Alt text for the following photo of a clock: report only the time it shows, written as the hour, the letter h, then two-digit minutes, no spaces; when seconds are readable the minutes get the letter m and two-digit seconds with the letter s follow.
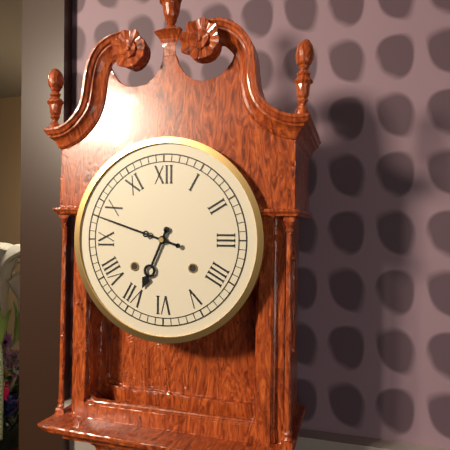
6h48
